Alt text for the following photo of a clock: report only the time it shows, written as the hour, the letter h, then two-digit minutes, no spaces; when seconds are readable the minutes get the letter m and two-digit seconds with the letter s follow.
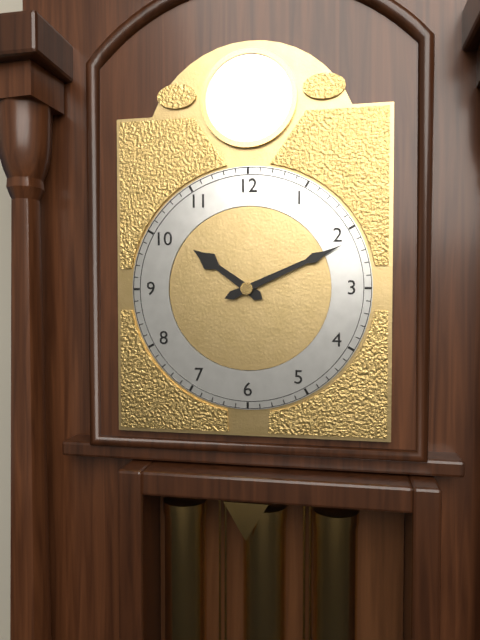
10h11
